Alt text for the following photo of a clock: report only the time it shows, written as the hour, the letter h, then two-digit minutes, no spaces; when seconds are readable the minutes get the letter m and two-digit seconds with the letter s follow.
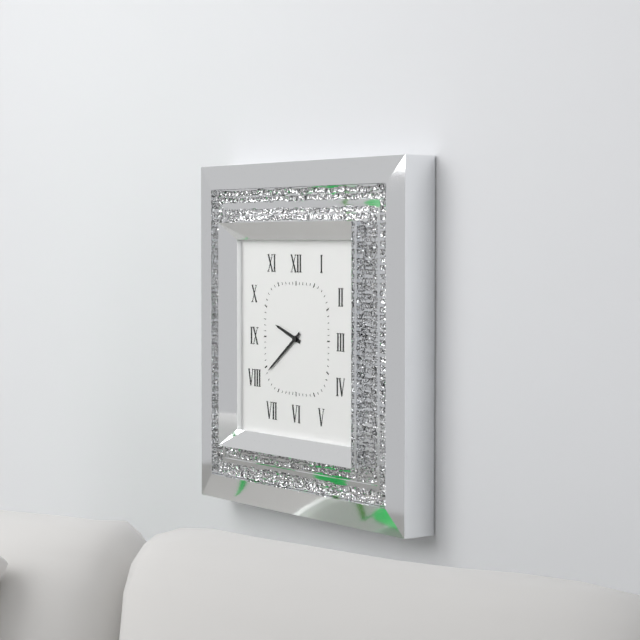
9h39
